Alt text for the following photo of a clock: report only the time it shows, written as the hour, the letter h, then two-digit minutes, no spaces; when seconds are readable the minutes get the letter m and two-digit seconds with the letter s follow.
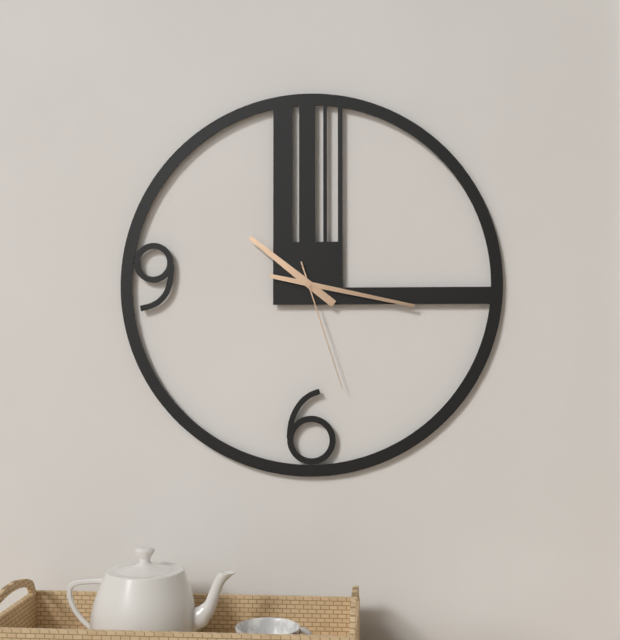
10h17m27s
